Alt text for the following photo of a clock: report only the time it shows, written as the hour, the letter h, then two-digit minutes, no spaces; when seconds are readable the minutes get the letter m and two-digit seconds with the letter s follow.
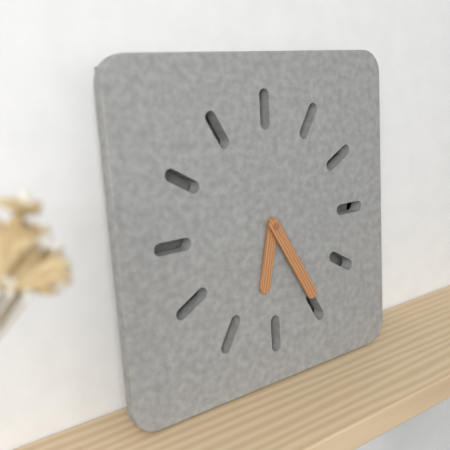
6h25
